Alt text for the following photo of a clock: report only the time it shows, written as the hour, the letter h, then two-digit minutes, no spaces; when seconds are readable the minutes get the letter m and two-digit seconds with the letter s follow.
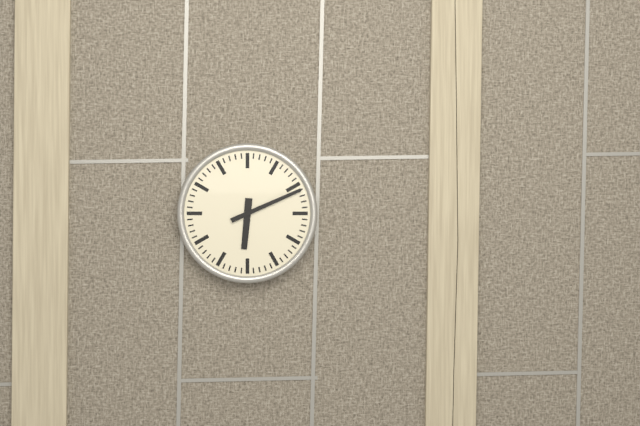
6h11
